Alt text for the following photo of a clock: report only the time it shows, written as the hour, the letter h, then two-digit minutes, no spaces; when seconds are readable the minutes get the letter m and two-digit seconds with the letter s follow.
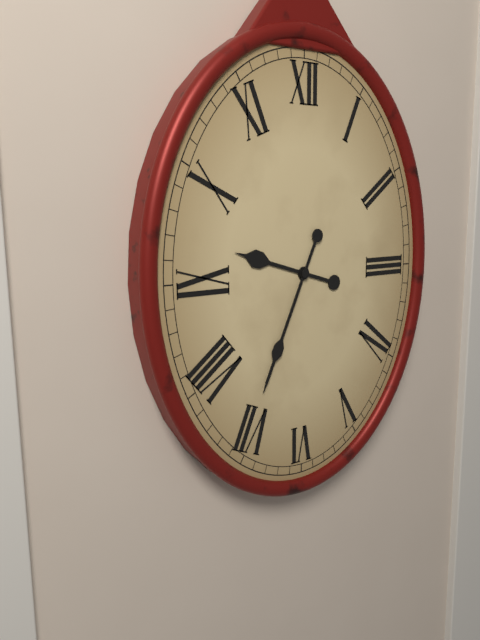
9h34
